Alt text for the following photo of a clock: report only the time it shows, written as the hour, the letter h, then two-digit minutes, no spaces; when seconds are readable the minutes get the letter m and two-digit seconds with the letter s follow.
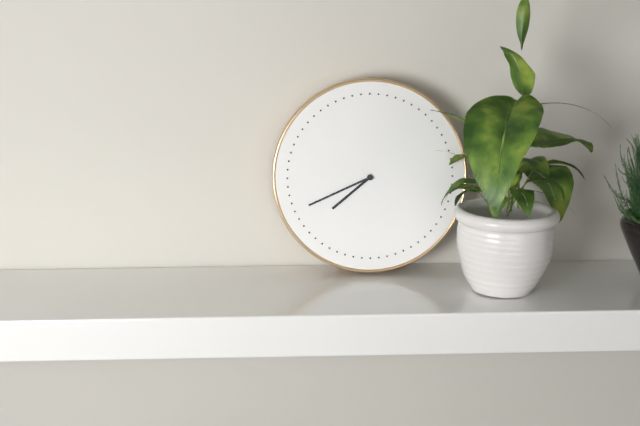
7h41
